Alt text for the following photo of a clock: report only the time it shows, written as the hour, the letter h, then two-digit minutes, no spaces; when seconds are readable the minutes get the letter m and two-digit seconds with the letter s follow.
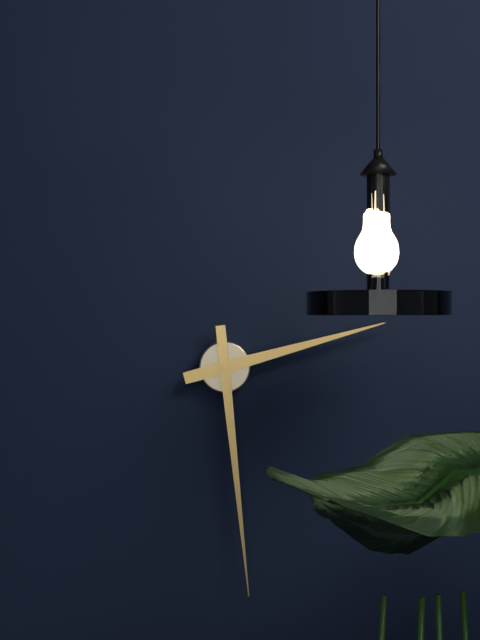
2h29
